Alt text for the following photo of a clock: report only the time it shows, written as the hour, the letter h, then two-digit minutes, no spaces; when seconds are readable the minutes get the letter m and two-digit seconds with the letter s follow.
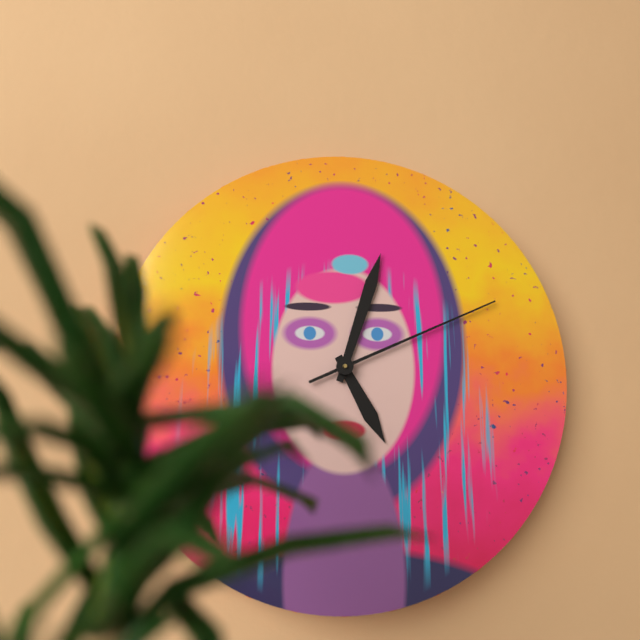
5h03m11s
